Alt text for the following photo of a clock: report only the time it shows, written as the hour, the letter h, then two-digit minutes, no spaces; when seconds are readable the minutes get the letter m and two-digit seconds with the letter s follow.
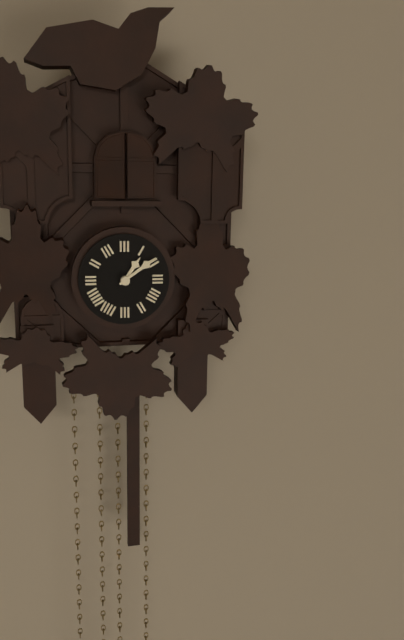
1h09
